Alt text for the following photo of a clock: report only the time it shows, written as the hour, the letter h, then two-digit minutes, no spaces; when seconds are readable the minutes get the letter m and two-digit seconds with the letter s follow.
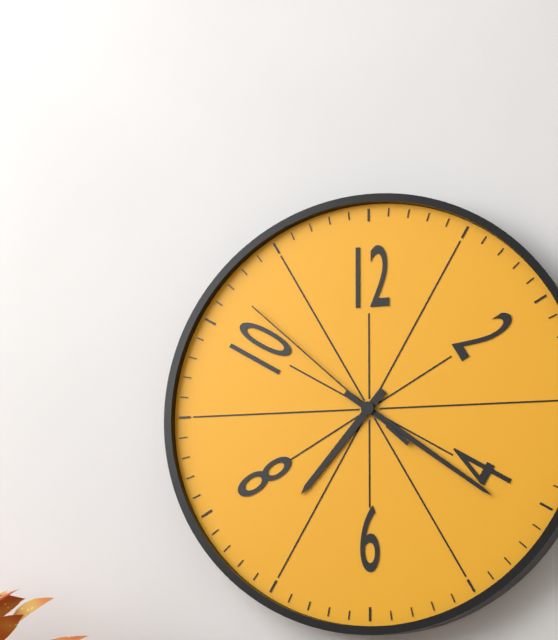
7h21m52s
